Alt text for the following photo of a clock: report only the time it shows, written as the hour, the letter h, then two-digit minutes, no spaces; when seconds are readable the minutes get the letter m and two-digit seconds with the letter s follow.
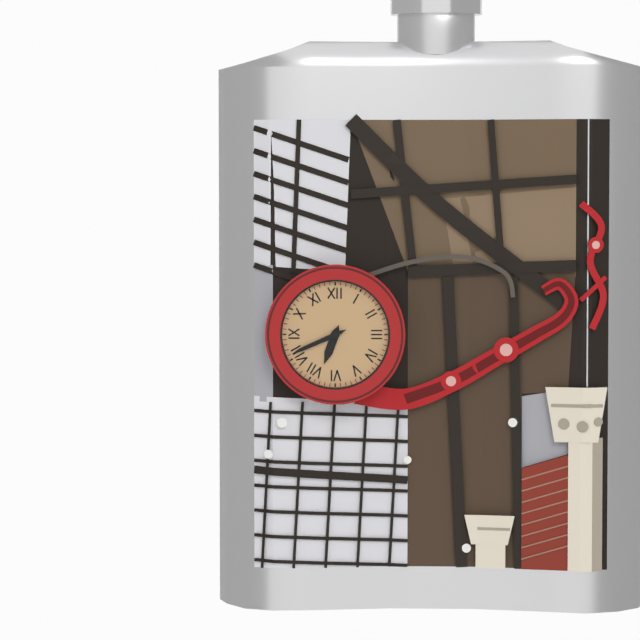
6h41
